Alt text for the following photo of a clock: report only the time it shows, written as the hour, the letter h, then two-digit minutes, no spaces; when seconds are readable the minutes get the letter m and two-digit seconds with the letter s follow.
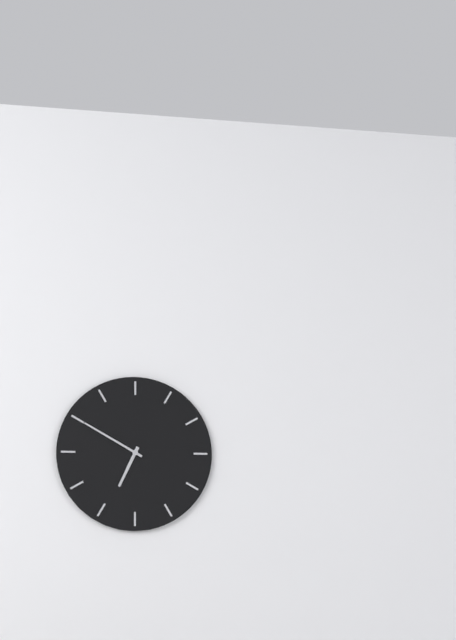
6h50
